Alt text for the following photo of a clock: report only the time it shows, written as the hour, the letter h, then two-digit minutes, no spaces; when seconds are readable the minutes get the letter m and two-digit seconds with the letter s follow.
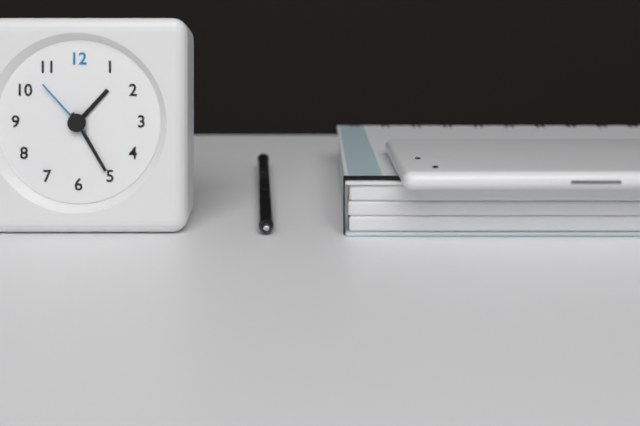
1h25m53s
